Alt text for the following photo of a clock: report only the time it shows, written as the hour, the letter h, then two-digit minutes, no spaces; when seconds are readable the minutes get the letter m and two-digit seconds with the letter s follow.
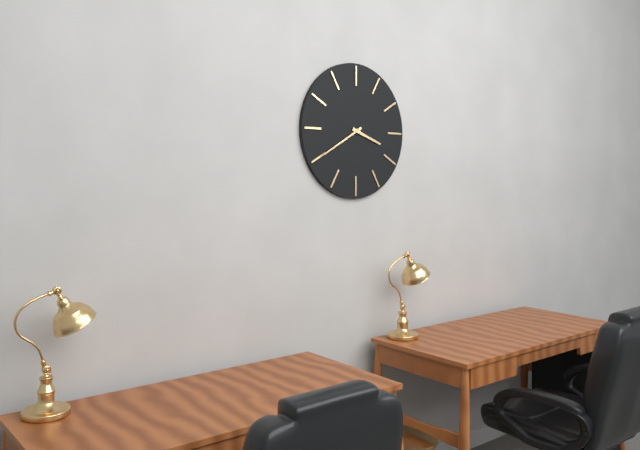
3h40
